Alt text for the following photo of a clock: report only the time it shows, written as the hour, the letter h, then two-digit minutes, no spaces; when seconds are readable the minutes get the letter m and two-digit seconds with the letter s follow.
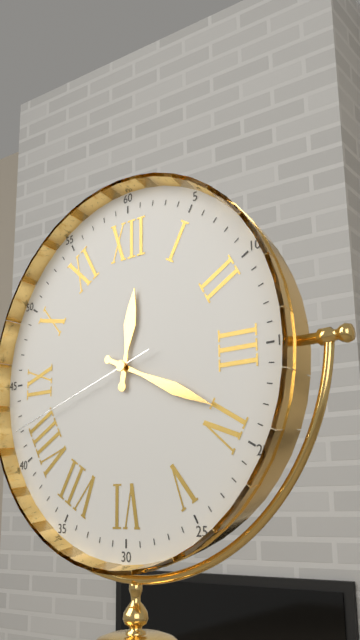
12h19m42s
